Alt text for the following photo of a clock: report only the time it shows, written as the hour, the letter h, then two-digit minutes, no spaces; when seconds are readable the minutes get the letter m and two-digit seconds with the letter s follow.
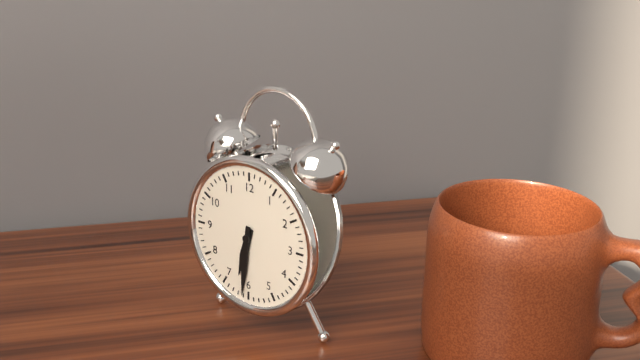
6h31
